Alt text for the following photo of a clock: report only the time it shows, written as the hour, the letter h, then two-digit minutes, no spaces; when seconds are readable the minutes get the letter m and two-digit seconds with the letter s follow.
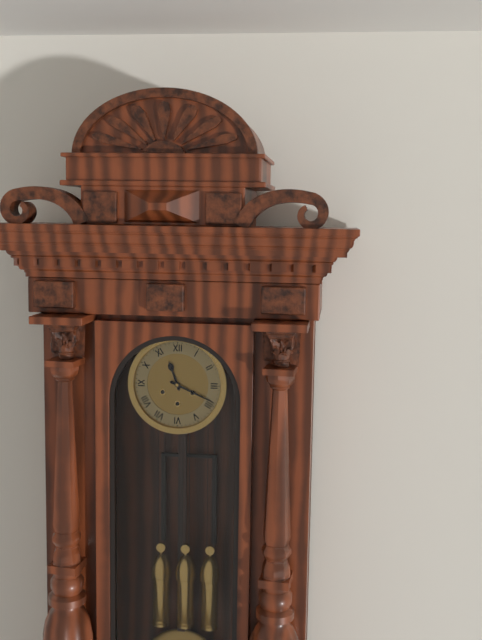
11h19
